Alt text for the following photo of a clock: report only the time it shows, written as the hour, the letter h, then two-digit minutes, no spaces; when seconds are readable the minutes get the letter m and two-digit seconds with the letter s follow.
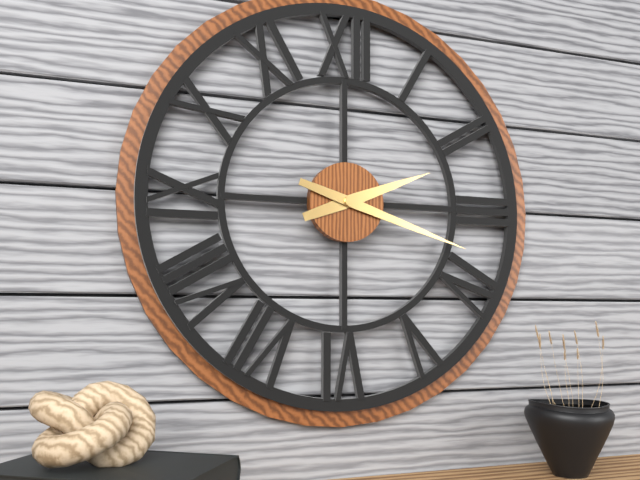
2h18
